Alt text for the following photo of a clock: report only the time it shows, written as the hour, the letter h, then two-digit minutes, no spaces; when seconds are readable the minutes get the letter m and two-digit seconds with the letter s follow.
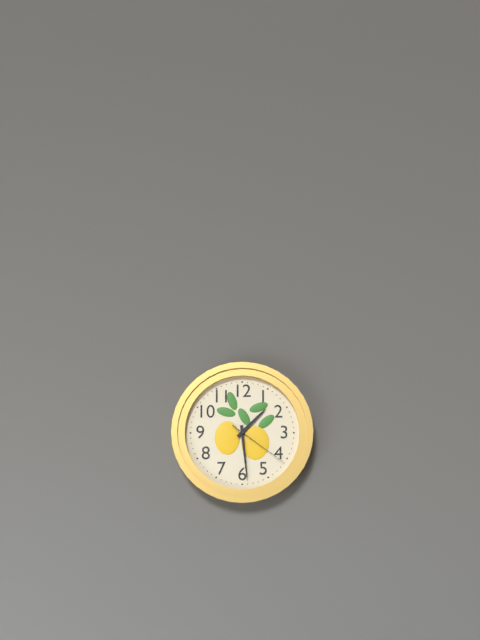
1h29m21s
